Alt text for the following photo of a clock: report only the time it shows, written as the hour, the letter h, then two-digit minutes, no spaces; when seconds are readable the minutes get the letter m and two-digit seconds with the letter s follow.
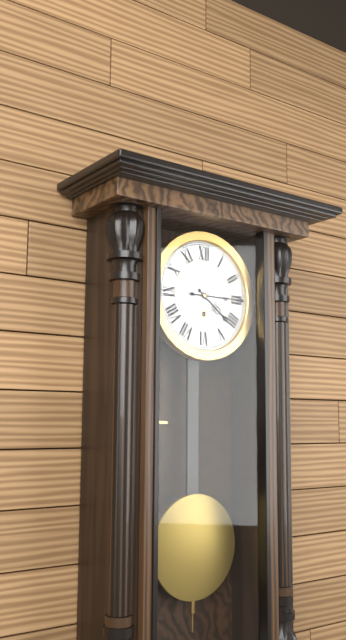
4h15
